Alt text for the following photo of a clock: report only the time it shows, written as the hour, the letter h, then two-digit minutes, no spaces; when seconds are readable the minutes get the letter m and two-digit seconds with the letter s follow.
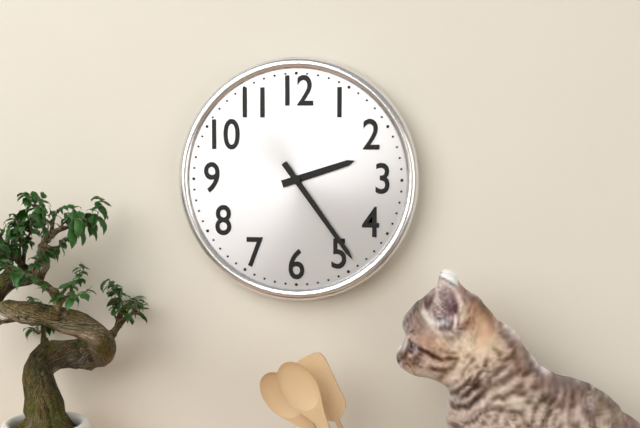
2h24
